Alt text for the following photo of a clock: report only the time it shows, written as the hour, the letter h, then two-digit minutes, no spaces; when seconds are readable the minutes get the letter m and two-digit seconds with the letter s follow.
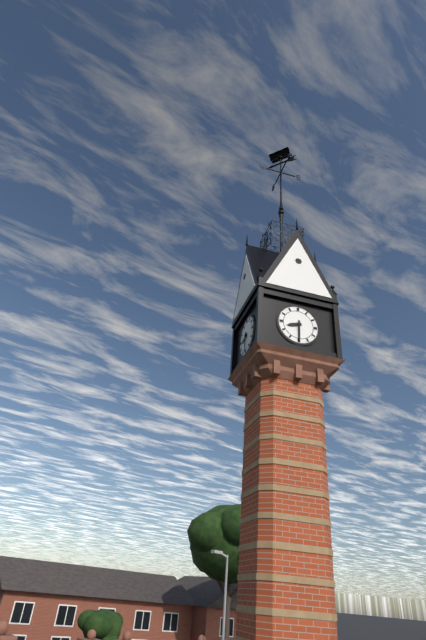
8h30
